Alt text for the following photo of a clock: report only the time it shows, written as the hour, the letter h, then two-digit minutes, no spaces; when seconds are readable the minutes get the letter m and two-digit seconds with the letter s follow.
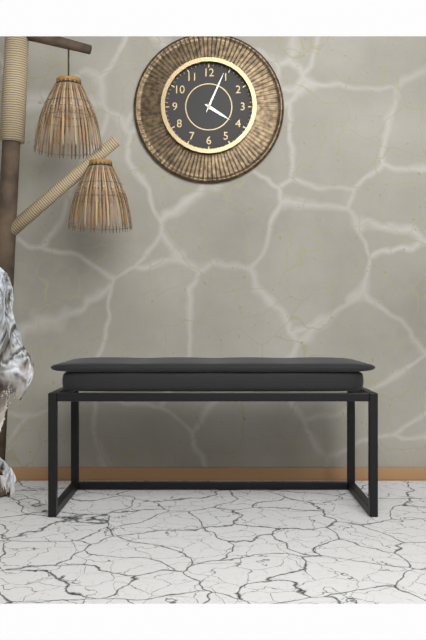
4h04
